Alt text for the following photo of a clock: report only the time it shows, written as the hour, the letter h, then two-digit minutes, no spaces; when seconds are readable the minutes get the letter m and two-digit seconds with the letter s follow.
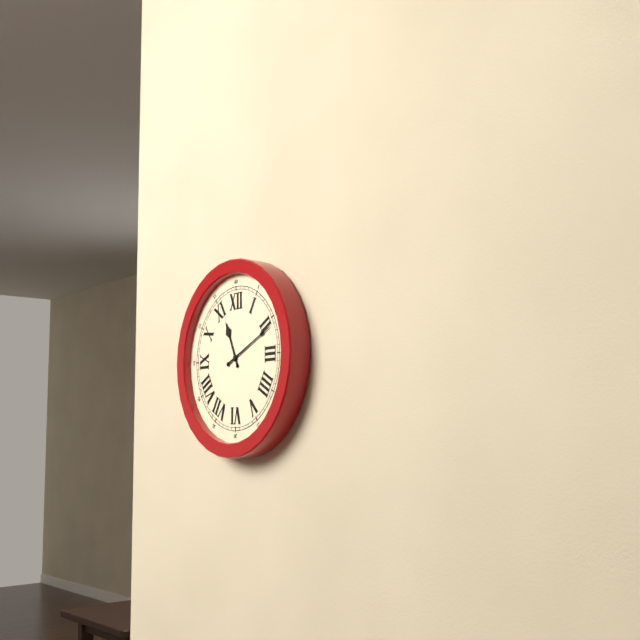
11h11
